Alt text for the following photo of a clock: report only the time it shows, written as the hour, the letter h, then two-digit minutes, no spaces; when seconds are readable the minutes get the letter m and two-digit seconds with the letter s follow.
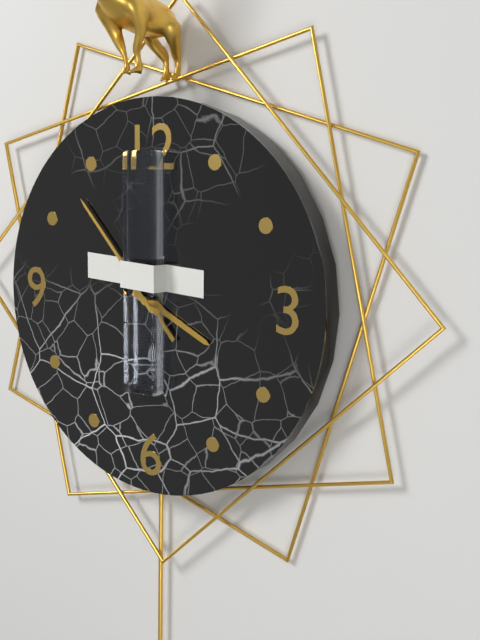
3h53
